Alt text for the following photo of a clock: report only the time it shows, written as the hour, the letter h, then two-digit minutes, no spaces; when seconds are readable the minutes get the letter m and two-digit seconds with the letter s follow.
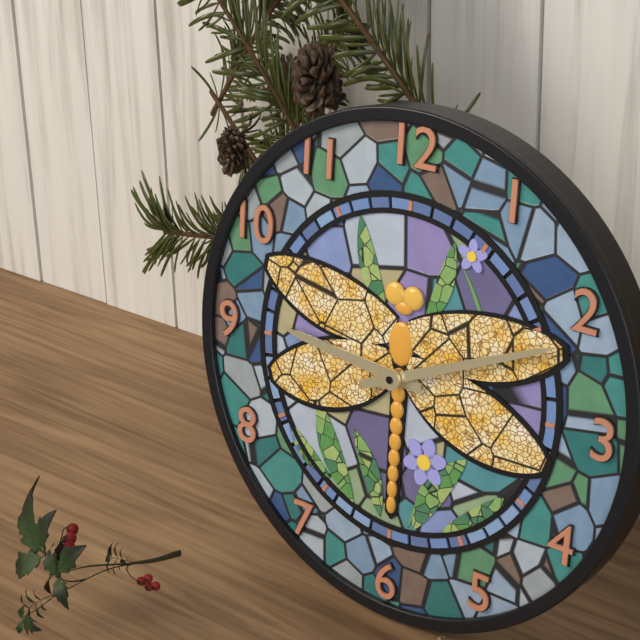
9h11
